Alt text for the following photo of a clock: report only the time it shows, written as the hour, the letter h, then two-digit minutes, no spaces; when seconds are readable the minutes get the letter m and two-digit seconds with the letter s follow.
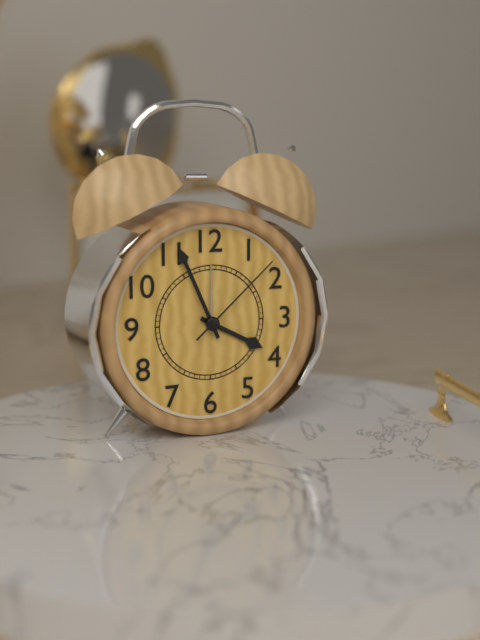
3h56m08s
